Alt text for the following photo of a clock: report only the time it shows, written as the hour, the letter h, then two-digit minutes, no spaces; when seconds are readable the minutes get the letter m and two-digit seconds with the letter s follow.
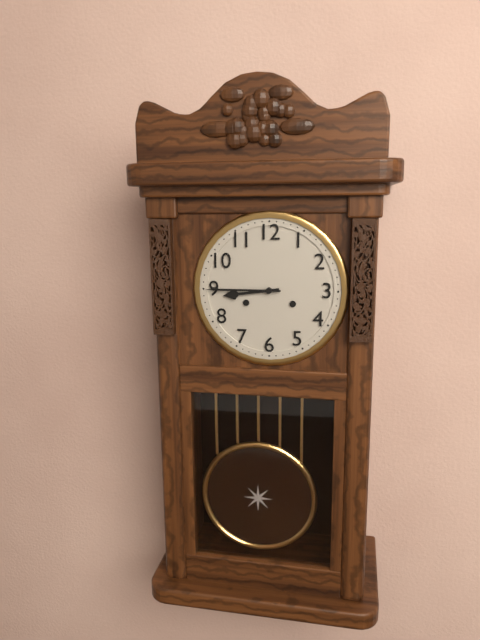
8h45
